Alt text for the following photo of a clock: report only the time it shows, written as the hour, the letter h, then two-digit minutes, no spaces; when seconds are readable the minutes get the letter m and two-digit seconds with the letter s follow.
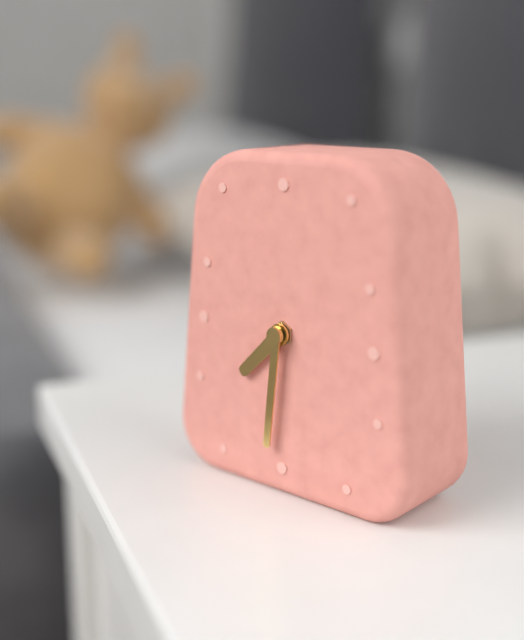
7h31
